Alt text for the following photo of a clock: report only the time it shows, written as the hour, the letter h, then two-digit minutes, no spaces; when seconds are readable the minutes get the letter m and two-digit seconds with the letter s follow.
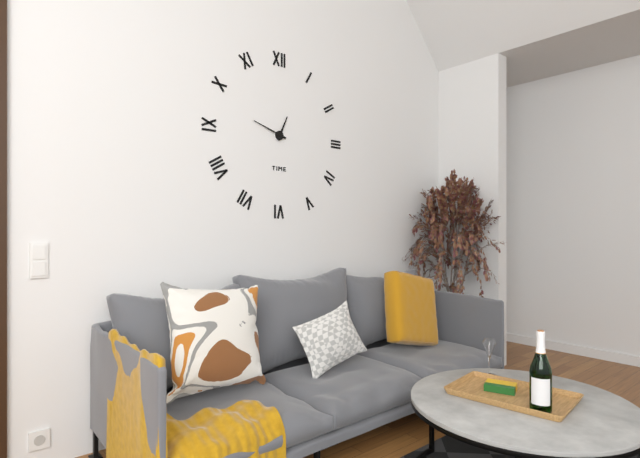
12h48
